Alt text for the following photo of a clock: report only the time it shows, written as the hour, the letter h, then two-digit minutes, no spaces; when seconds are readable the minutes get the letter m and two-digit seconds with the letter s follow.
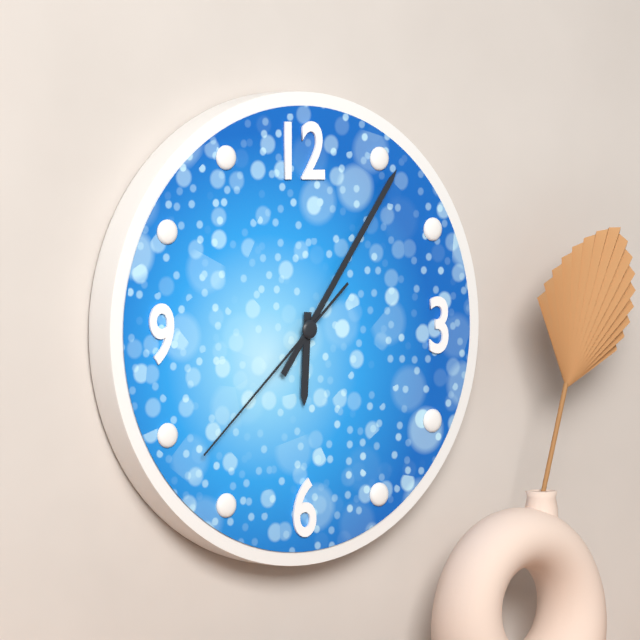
6h06m38s
